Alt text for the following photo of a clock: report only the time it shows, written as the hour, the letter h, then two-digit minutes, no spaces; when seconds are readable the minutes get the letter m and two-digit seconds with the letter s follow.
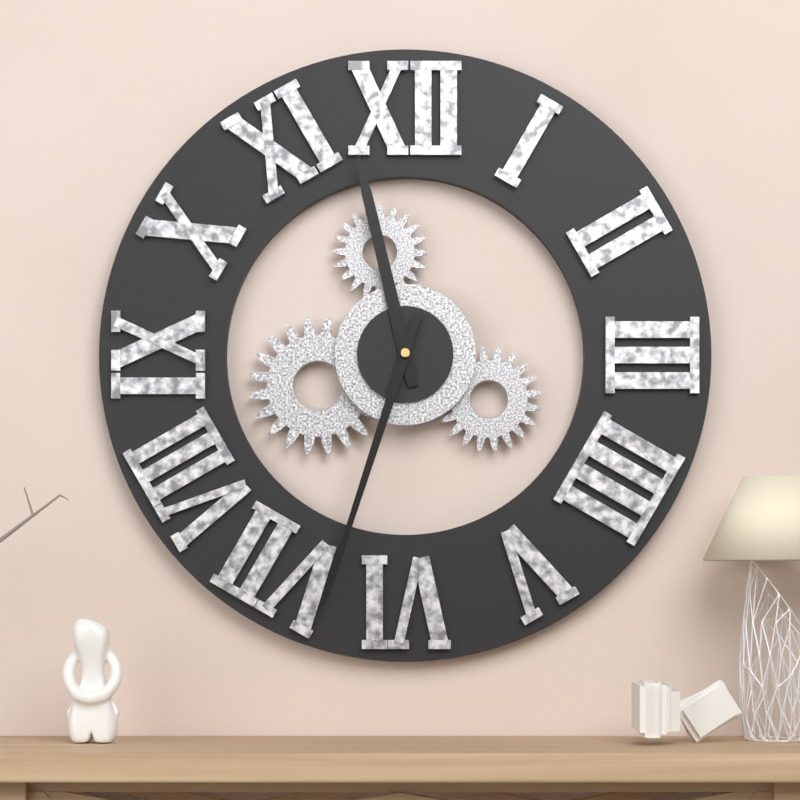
11h33
